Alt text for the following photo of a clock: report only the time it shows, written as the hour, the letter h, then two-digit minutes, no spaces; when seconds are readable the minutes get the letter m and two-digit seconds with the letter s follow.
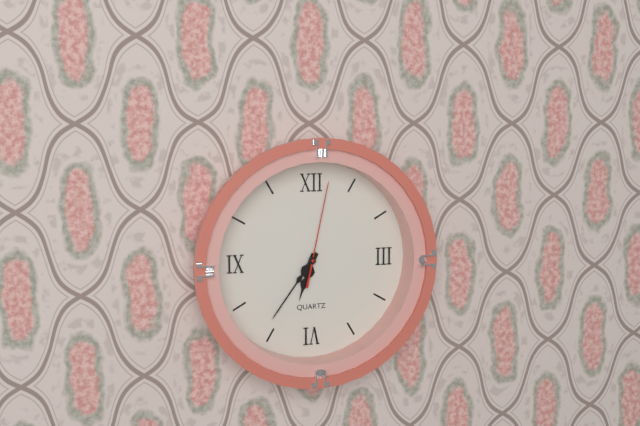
6h36m02s
